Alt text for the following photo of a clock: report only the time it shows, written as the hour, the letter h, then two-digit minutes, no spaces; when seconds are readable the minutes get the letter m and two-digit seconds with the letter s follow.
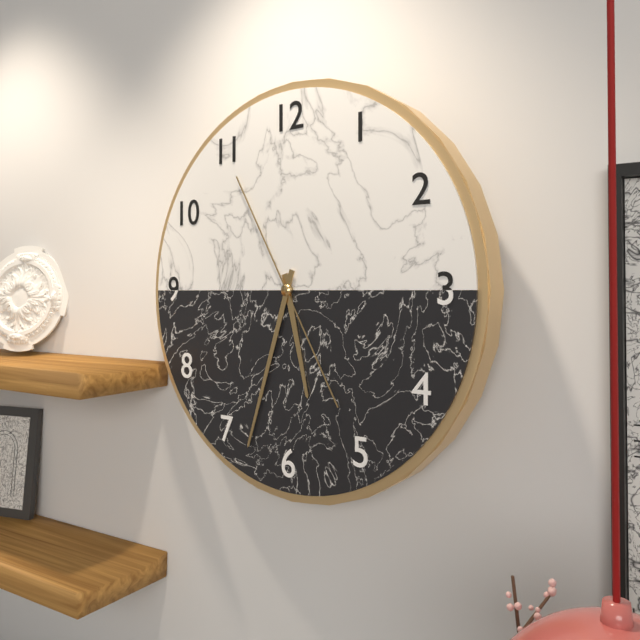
5h33m55s
